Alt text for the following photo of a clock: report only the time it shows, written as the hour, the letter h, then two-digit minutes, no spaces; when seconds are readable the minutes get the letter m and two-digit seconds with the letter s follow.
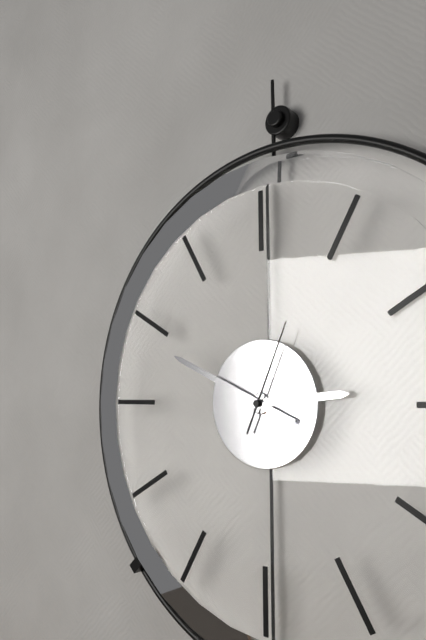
2h49m04s
